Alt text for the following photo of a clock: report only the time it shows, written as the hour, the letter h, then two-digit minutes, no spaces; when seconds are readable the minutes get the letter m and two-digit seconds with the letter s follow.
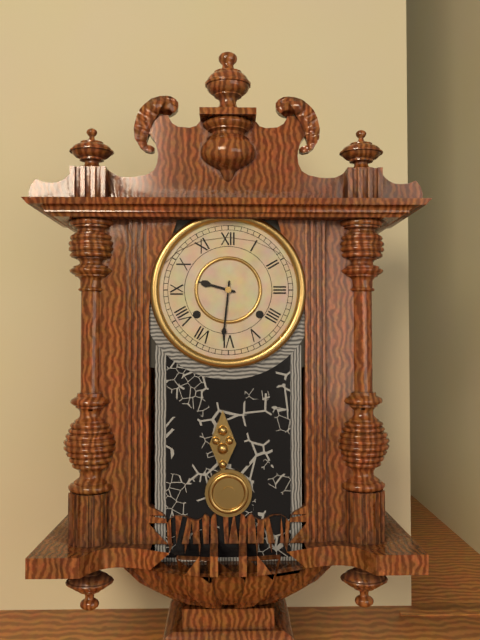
9h31
